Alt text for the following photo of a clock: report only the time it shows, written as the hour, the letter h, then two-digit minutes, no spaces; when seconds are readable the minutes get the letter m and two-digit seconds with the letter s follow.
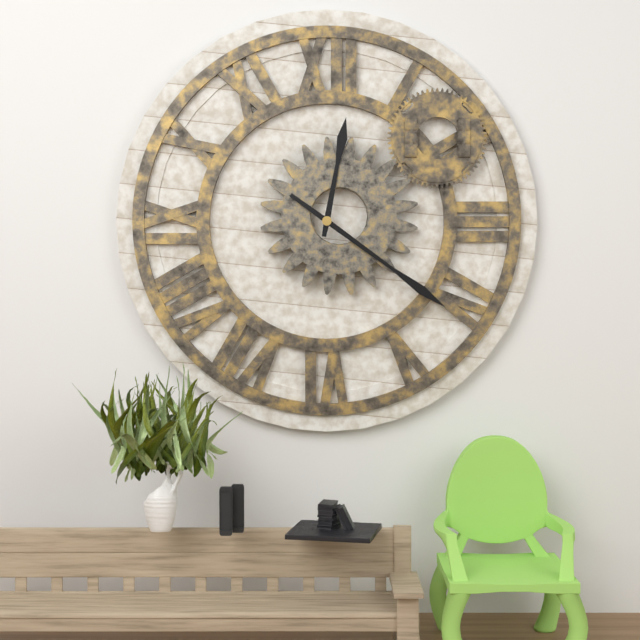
12h21
